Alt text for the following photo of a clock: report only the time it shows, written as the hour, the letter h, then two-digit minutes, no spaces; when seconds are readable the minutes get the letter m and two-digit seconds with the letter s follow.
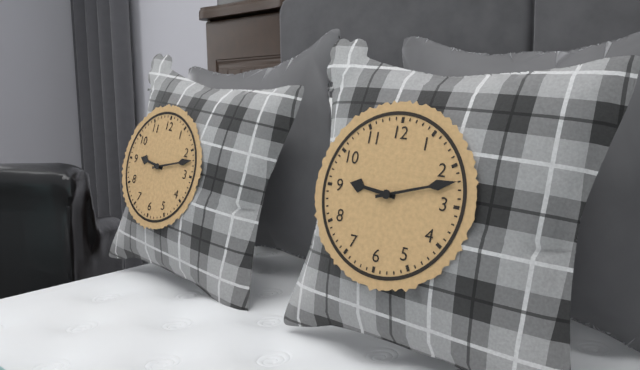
9h12
